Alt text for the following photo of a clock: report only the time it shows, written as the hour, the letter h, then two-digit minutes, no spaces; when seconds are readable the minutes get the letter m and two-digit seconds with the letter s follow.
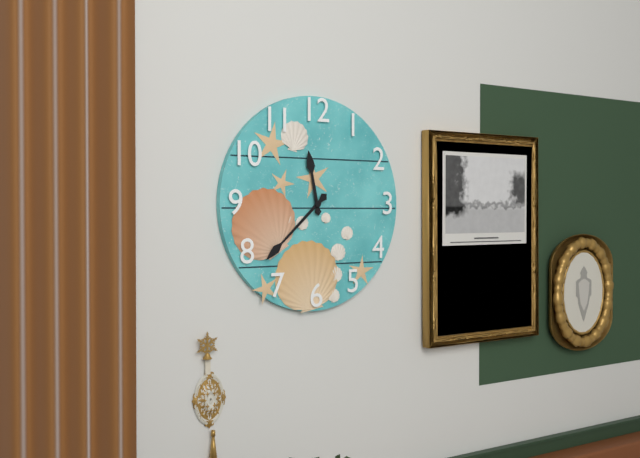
11h38
